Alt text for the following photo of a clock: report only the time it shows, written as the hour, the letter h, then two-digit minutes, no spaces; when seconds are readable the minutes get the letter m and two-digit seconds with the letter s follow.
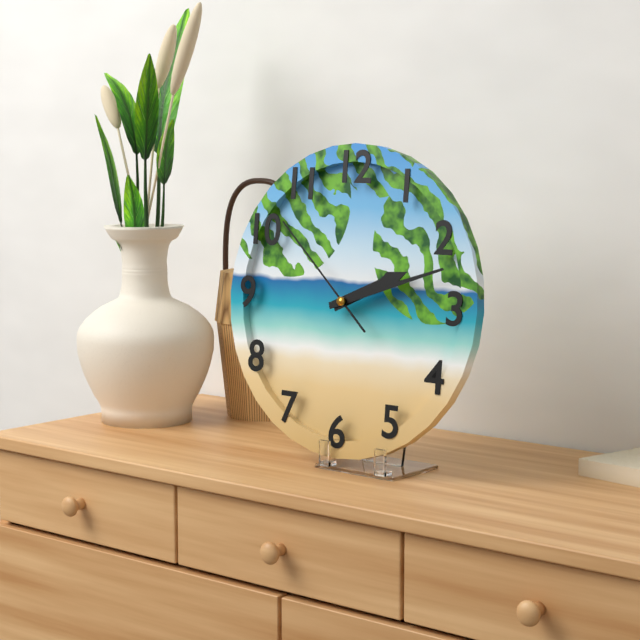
2h12m52s
